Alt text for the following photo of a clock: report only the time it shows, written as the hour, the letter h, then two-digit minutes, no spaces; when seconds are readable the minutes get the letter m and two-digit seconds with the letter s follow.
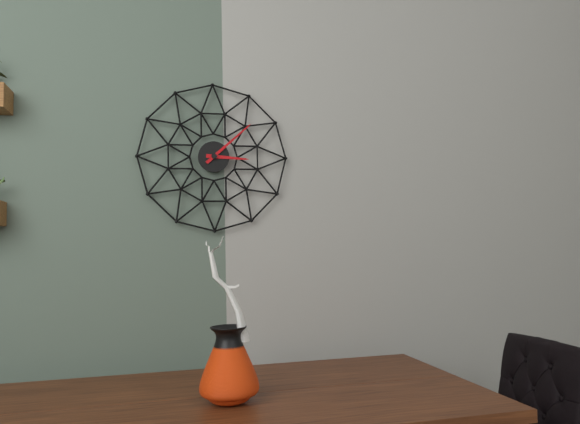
3h08
